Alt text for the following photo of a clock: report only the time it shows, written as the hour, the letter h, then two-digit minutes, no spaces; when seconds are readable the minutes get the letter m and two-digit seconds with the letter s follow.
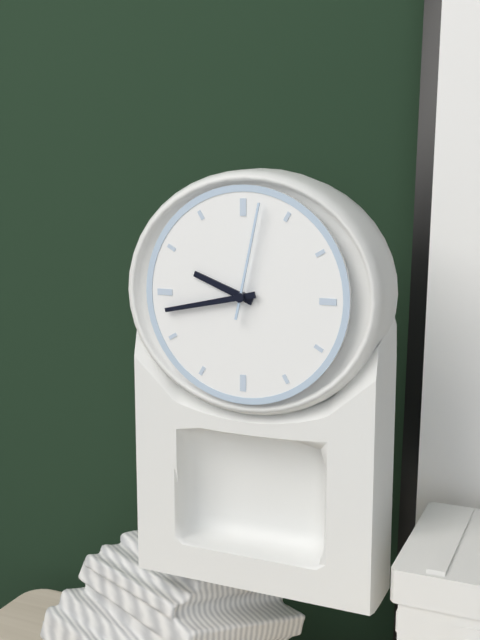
9h43m02s
